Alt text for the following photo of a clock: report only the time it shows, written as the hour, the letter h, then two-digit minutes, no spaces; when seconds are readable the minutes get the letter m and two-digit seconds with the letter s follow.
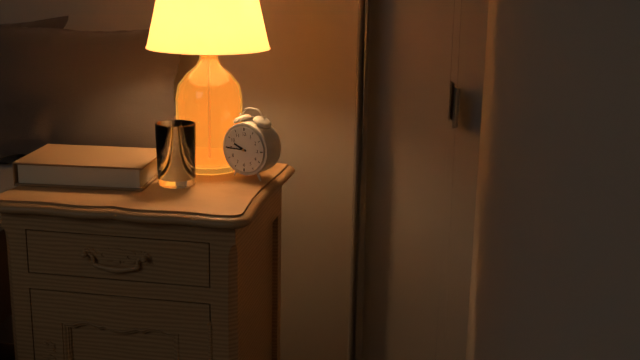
9h45
